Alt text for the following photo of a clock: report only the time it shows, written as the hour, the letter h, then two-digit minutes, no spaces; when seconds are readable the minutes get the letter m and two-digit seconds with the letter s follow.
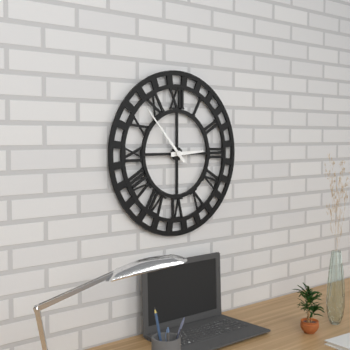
2h53
